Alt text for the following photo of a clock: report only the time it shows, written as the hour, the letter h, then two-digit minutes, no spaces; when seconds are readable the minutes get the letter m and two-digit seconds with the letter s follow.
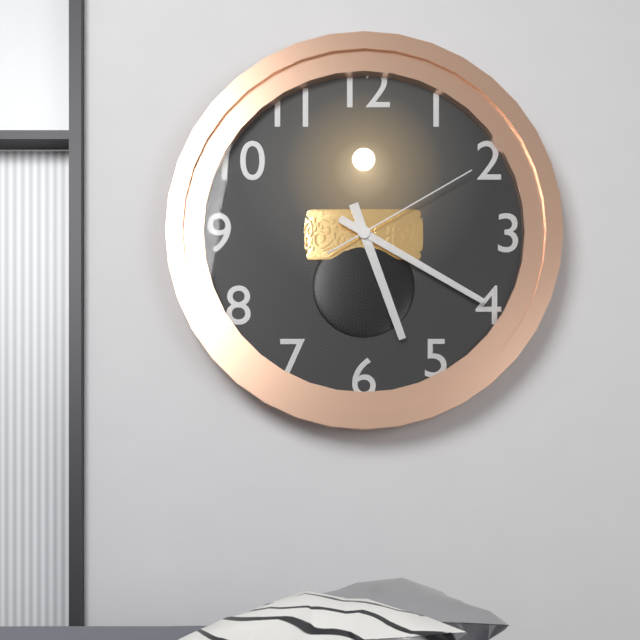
5h20m10s
